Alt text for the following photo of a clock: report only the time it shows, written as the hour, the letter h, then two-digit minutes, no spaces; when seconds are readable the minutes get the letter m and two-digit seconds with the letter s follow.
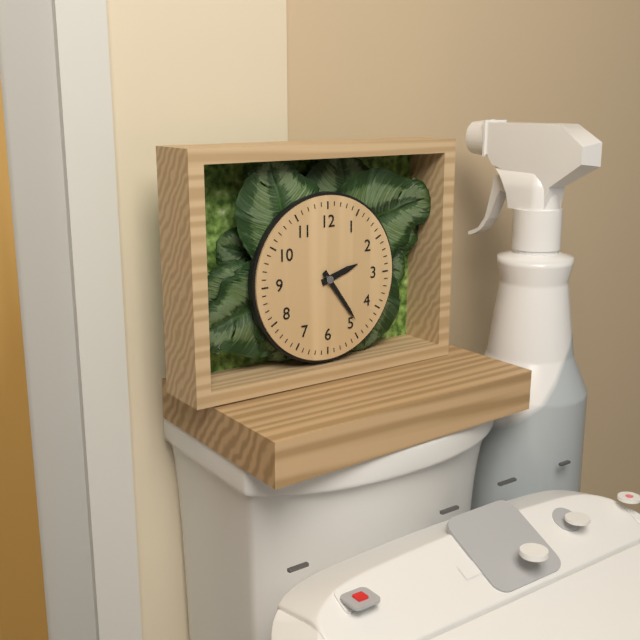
2h24
